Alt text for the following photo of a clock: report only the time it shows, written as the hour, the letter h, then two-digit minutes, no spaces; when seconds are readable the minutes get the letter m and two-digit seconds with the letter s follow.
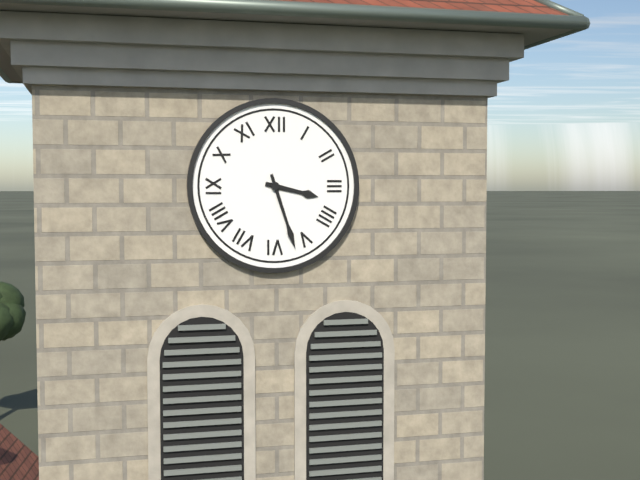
3h27
